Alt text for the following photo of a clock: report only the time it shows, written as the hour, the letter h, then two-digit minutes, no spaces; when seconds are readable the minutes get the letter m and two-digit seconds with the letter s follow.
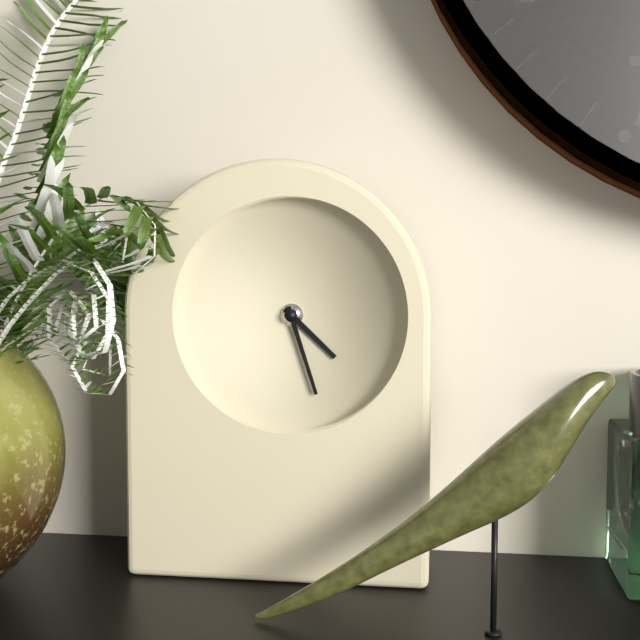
4h27
